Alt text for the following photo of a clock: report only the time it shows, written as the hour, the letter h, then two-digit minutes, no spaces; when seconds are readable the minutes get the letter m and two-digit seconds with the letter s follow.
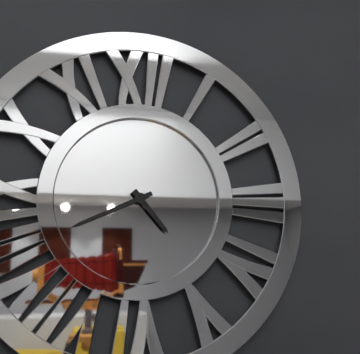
4h41
